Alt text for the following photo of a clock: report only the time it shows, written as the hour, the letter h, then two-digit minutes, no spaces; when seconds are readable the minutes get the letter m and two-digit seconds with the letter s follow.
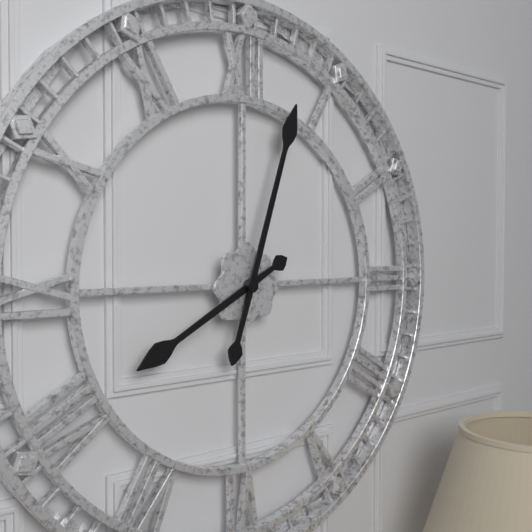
8h03
